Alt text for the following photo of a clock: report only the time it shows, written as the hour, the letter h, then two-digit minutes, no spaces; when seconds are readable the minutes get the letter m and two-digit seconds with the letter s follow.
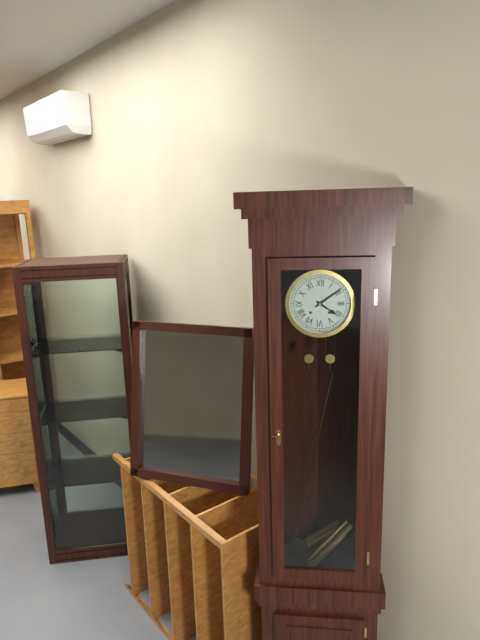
4h09
